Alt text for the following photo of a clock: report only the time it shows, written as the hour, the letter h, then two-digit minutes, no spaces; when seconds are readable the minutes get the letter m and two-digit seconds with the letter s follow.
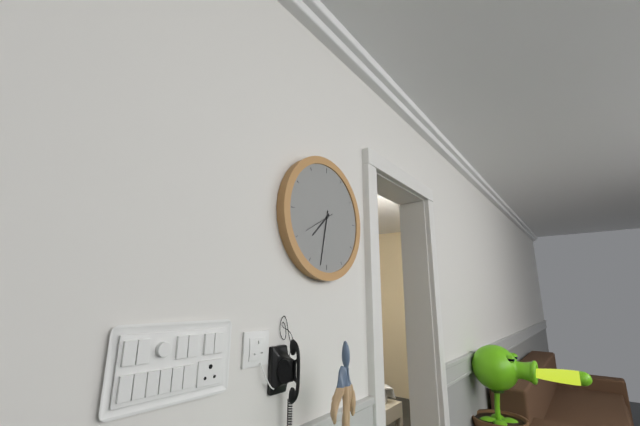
7h32
